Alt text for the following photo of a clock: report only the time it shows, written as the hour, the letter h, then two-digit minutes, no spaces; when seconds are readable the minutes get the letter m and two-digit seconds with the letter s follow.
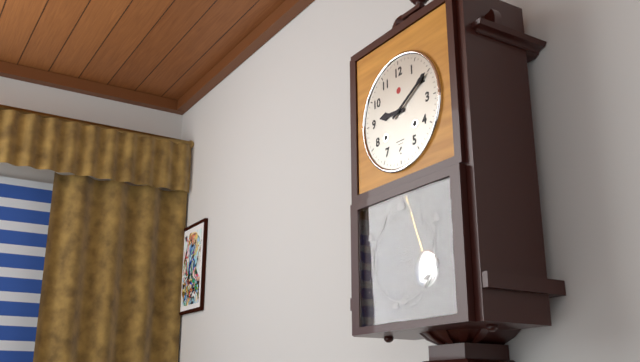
9h10
